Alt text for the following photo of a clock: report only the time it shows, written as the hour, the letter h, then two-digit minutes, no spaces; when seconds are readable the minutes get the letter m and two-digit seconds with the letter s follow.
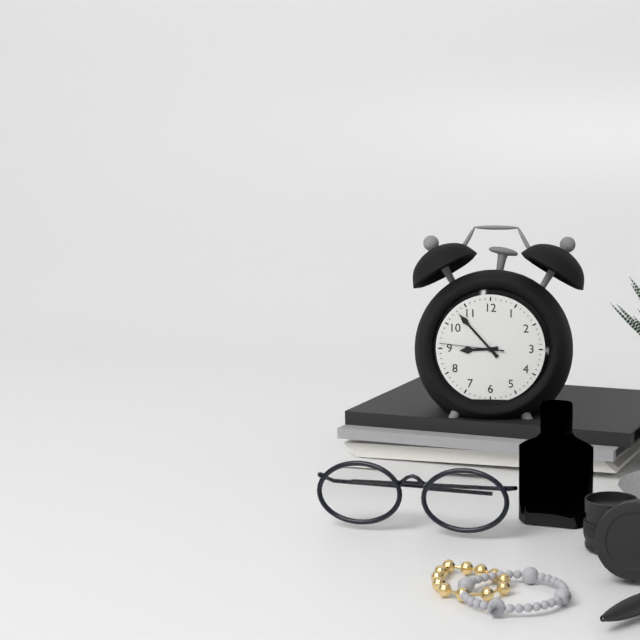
8h53m46s
